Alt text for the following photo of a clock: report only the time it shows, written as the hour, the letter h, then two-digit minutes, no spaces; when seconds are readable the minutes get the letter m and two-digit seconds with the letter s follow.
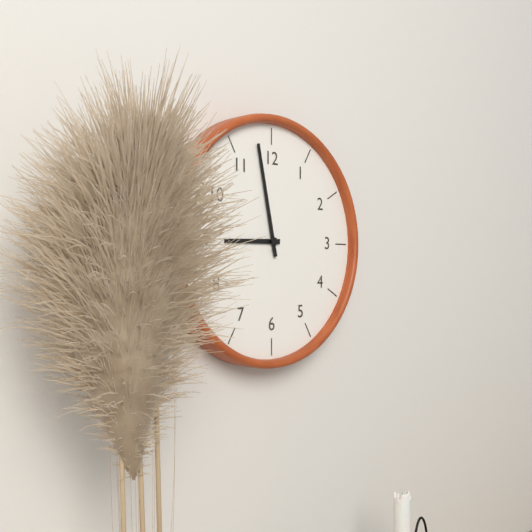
8h58
